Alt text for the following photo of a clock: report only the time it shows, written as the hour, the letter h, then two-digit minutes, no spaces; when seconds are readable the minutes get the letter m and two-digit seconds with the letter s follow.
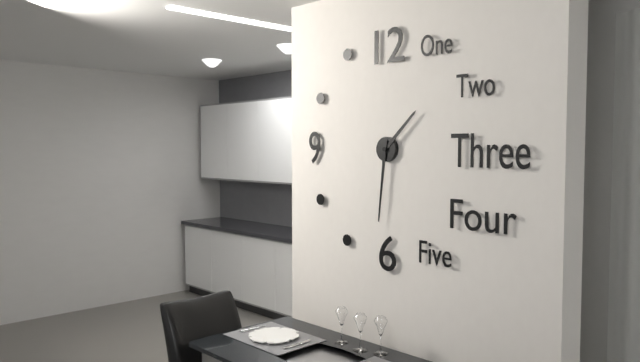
1h31
